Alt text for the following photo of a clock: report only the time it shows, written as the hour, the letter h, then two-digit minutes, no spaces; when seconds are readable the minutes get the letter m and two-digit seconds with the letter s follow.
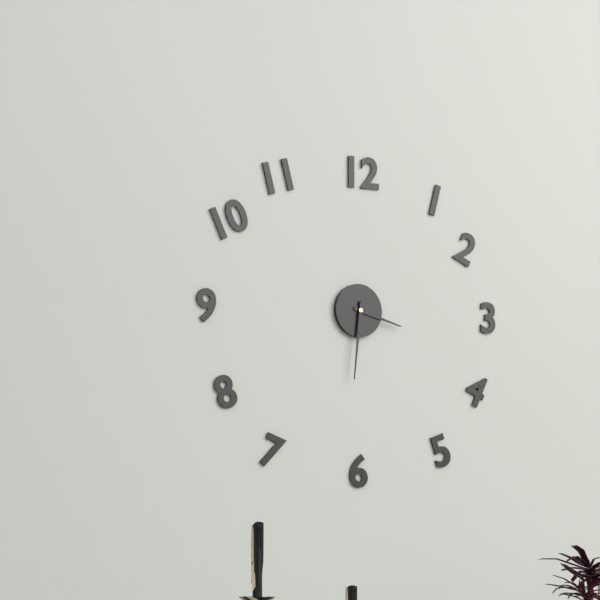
3h31
